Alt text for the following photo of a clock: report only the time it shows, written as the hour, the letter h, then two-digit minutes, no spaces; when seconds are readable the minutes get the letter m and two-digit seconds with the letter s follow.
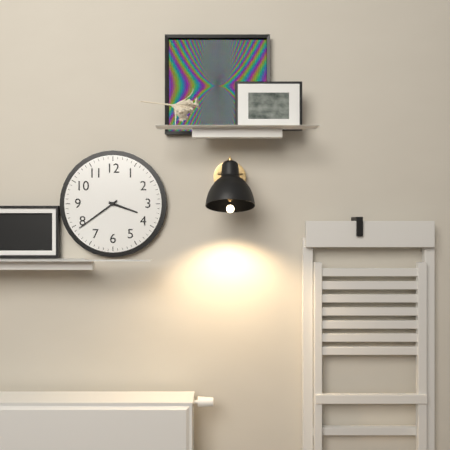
3h39
